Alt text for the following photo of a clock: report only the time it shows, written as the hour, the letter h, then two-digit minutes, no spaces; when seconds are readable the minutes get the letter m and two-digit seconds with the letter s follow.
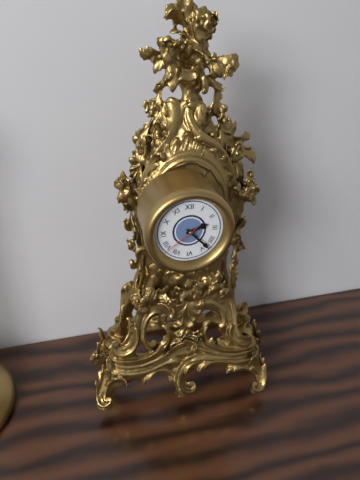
2h23
